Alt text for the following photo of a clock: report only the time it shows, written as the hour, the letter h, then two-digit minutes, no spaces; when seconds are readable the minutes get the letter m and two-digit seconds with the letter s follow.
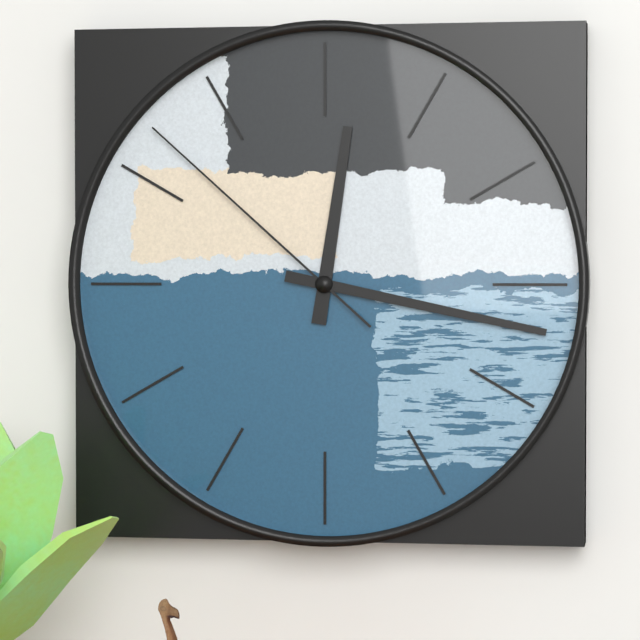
12h17m52s
